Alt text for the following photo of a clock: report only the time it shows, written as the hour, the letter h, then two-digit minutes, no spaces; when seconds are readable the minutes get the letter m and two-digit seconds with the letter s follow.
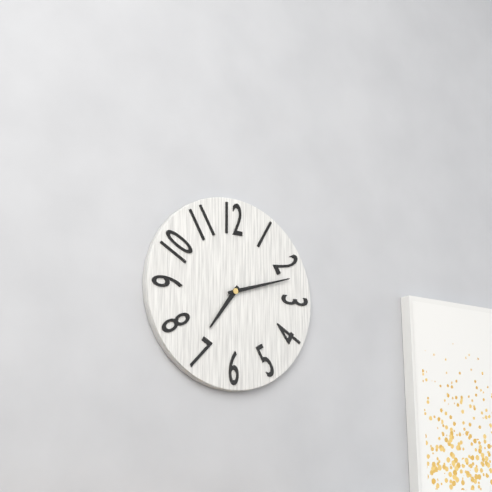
7h12
